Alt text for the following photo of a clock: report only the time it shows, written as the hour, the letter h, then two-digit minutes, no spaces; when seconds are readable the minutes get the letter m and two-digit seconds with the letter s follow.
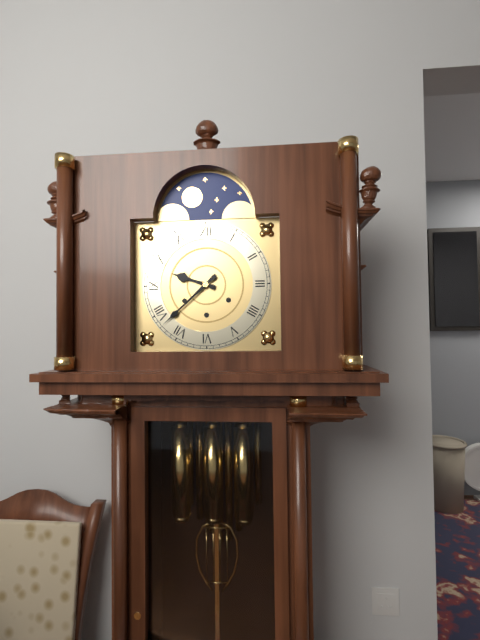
9h38
